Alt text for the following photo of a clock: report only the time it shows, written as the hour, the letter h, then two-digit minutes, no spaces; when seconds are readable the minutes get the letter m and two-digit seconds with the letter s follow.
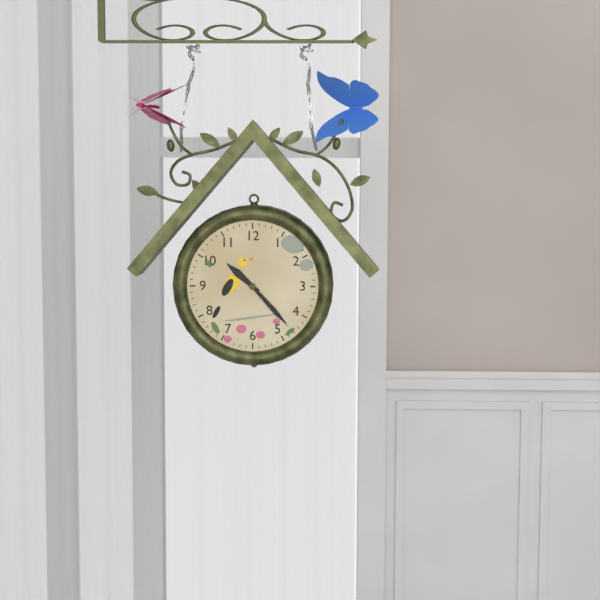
10h23
